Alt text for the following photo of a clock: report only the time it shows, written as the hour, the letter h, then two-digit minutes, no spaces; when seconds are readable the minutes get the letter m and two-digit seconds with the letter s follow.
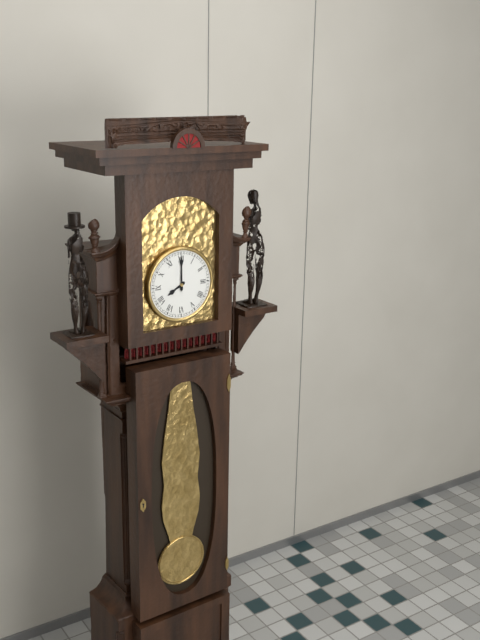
8h00
